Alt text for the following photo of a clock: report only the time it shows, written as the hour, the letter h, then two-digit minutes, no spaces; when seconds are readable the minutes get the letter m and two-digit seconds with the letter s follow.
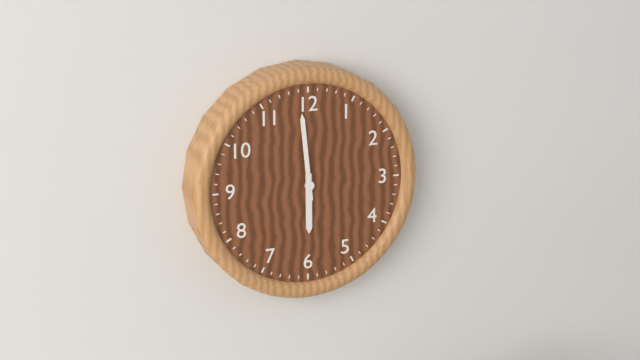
5h59
